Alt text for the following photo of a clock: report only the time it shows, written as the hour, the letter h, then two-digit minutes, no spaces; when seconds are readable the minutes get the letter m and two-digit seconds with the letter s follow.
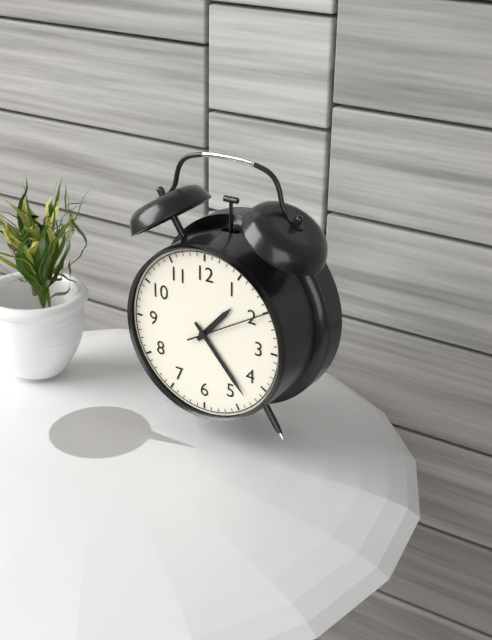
1h23m10s
